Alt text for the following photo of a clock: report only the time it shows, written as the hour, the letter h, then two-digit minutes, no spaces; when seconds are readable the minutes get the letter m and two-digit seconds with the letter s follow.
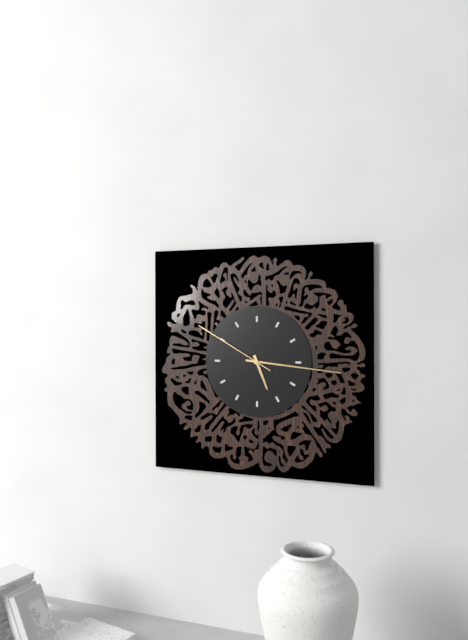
5h16m50s
